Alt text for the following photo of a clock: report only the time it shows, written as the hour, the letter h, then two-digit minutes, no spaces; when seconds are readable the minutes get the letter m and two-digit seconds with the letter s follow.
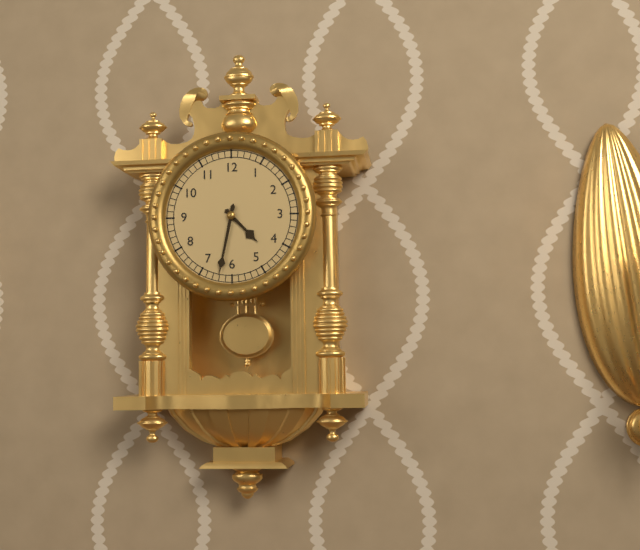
4h32
